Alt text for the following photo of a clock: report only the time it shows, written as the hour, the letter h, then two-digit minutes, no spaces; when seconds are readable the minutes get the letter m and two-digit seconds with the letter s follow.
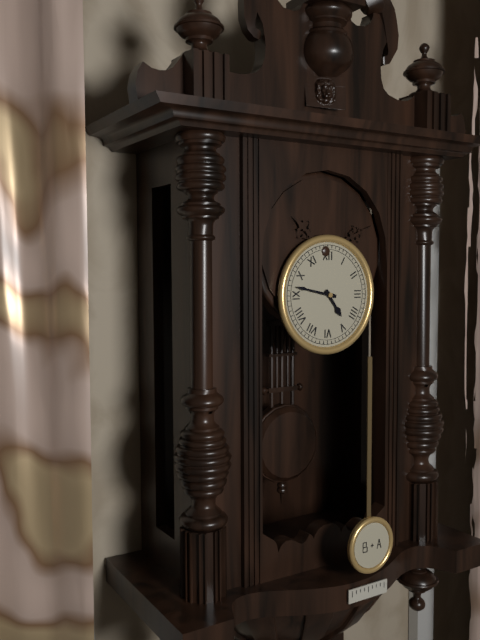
4h47
